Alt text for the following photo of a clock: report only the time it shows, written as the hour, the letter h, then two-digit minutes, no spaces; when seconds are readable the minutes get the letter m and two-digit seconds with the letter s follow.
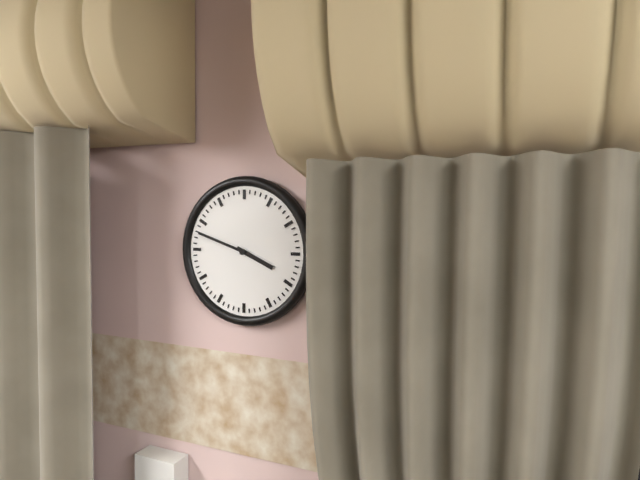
3h48
